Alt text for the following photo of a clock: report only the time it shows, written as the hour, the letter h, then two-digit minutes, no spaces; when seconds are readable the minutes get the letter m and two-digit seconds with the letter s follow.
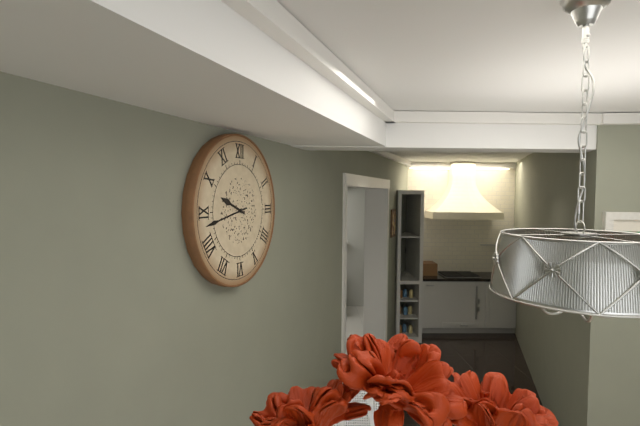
9h43
